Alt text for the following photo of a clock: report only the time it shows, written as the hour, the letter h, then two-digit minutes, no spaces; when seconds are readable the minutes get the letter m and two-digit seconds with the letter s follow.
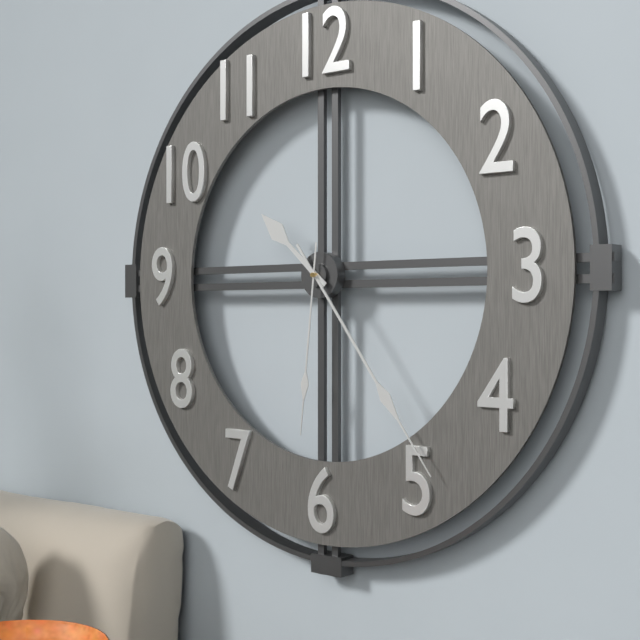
10h24m31s
